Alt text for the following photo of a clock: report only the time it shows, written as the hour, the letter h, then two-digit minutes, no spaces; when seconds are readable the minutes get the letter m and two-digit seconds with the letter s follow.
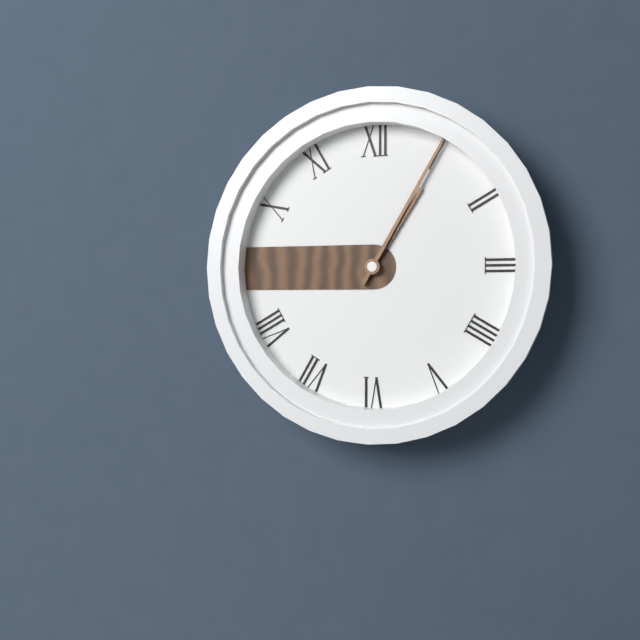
1h05
